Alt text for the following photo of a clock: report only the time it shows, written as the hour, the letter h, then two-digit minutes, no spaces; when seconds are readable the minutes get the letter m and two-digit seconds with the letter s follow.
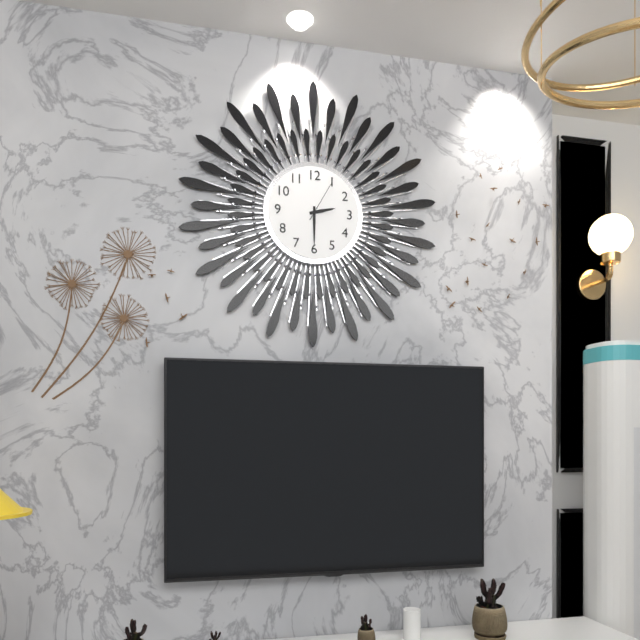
2h30m05s
